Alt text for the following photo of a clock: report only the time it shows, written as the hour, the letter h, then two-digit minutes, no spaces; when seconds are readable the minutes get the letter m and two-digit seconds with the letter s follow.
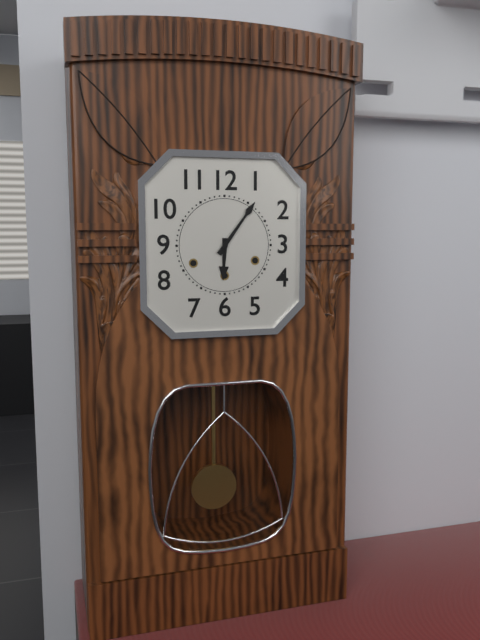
6h06
